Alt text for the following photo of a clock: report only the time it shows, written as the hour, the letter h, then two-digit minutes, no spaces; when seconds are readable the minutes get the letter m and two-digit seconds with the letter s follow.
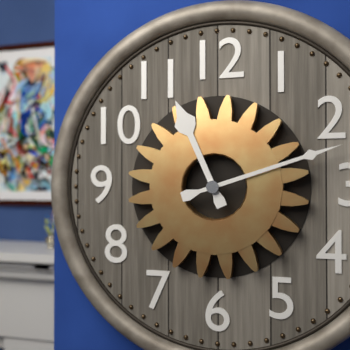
11h12
